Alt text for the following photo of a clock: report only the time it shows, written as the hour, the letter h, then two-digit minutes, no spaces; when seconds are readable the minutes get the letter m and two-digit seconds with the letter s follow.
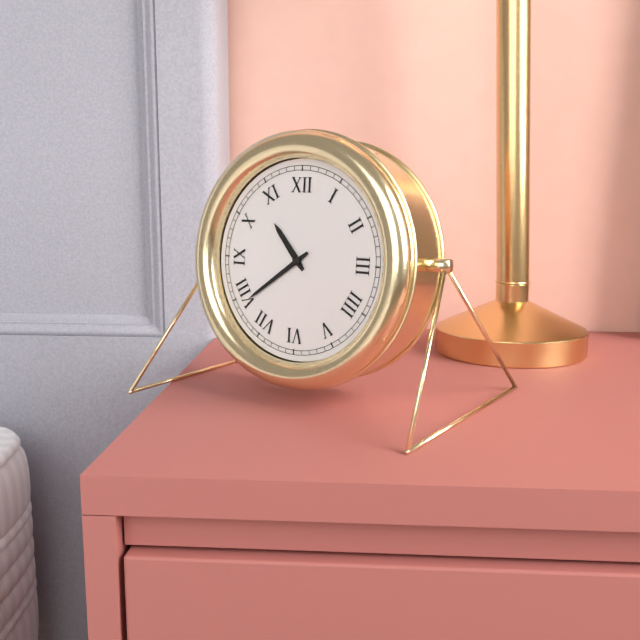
10h39
